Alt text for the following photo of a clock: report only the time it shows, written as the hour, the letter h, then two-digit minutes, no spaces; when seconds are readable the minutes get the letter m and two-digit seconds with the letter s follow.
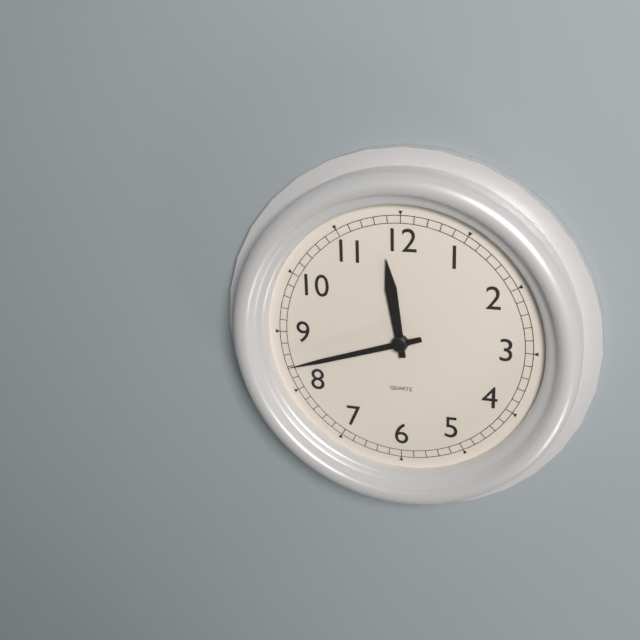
11h42
